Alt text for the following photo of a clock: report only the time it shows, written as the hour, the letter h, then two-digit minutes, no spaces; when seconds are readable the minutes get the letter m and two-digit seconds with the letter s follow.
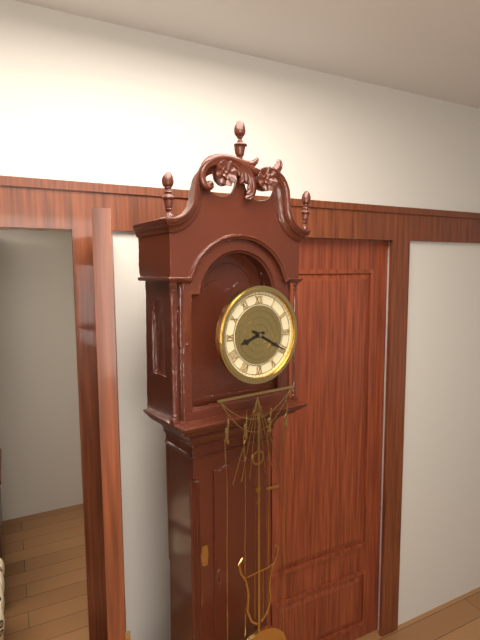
8h20
